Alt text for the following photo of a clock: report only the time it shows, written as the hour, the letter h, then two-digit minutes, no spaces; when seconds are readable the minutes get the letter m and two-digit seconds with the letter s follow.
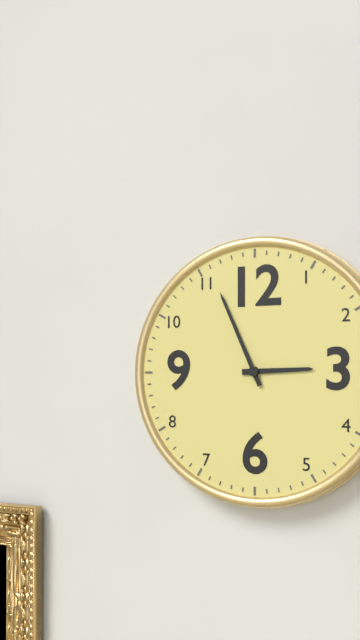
2h56
